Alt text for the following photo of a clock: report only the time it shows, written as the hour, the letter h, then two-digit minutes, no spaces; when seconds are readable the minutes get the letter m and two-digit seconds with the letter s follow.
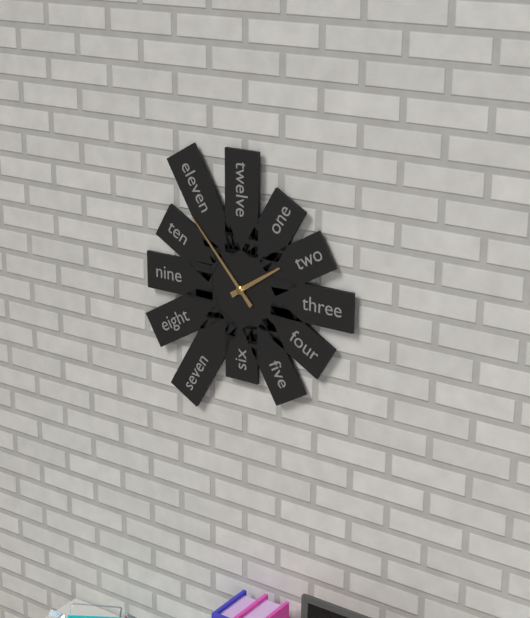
1h53
